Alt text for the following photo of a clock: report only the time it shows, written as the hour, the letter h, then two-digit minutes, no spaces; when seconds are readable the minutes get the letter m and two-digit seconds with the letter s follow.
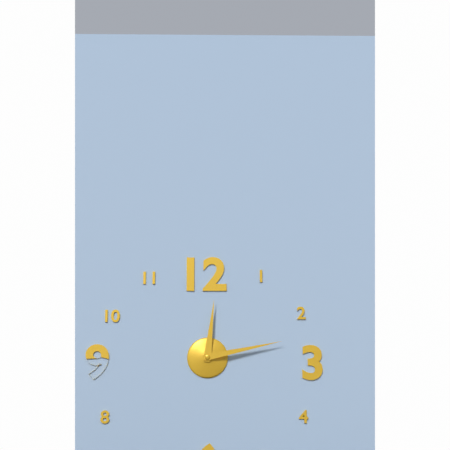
12h13
